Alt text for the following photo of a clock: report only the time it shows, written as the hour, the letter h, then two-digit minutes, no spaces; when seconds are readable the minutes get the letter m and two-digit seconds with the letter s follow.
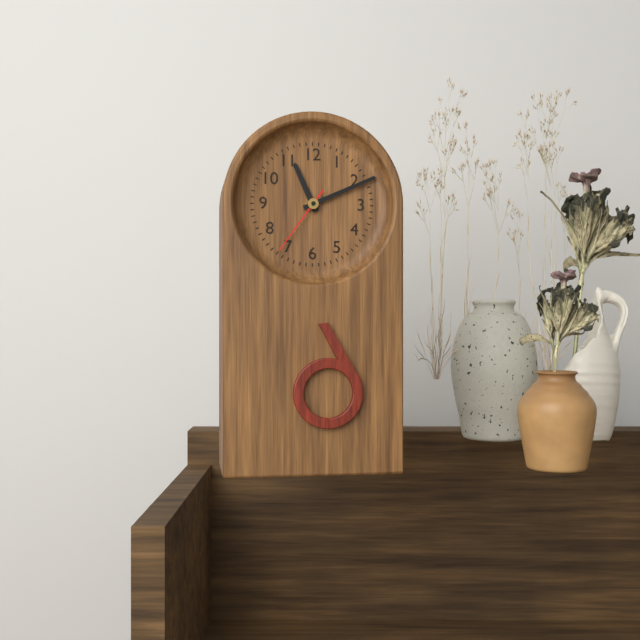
11h11m36s
